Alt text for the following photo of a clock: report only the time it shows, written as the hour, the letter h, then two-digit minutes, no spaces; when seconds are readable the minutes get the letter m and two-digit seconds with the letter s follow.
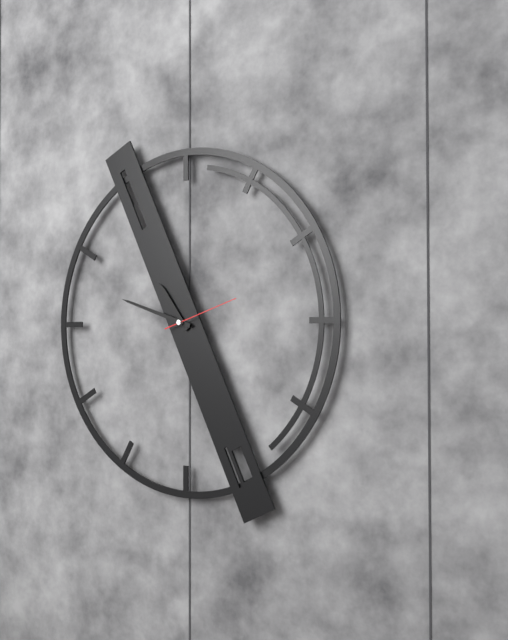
10h48m12s
